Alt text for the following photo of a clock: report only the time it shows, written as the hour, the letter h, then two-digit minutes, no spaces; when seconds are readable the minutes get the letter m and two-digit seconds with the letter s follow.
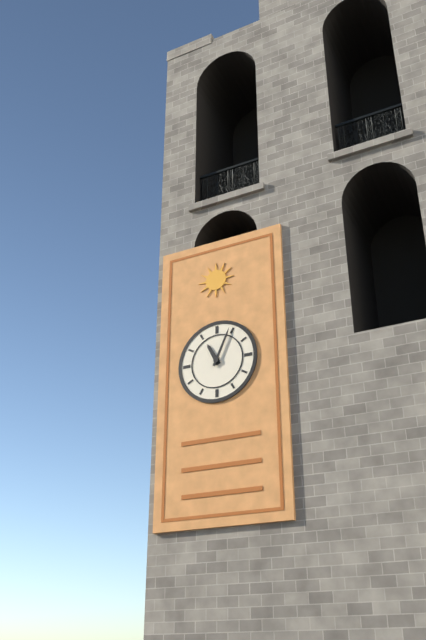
11h04
